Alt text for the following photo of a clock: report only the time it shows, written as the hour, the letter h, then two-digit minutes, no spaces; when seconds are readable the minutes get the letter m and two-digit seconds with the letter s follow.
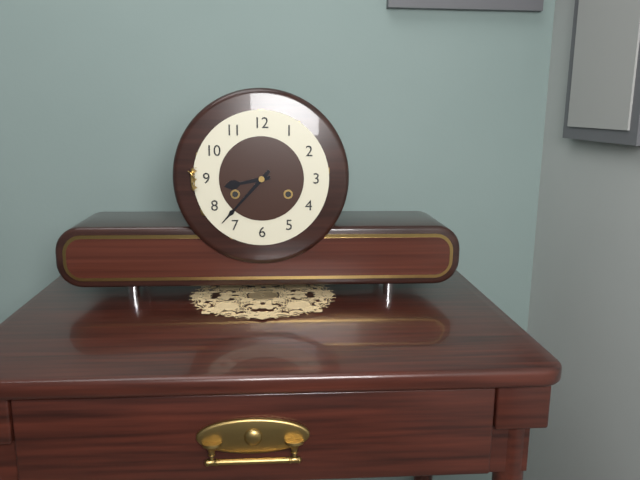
8h37
